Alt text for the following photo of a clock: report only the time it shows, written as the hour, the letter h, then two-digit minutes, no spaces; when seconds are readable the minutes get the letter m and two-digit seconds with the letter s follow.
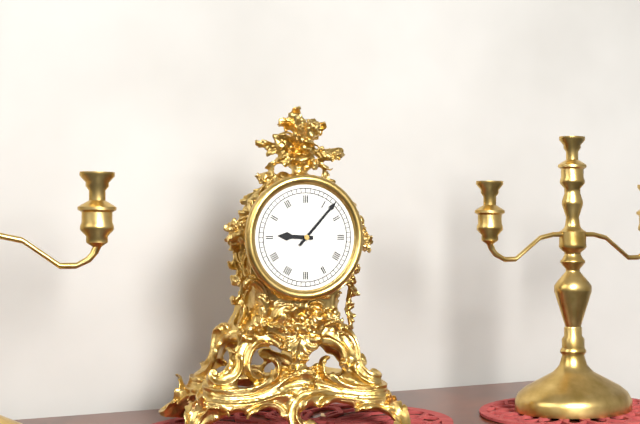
9h07
